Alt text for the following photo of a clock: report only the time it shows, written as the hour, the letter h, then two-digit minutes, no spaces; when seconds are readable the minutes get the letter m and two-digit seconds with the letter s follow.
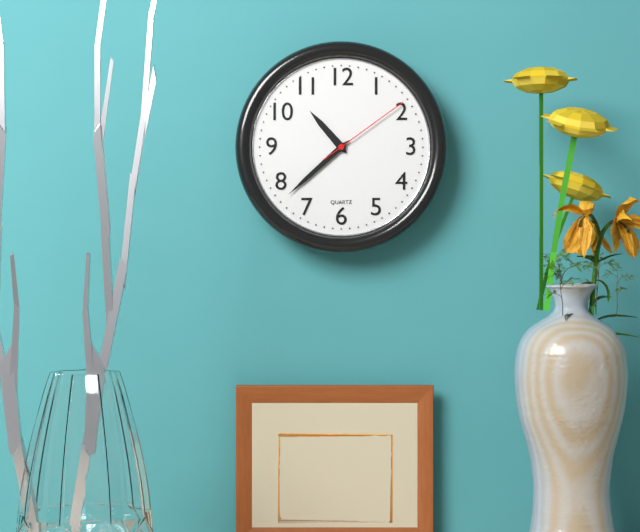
10h38m09s
